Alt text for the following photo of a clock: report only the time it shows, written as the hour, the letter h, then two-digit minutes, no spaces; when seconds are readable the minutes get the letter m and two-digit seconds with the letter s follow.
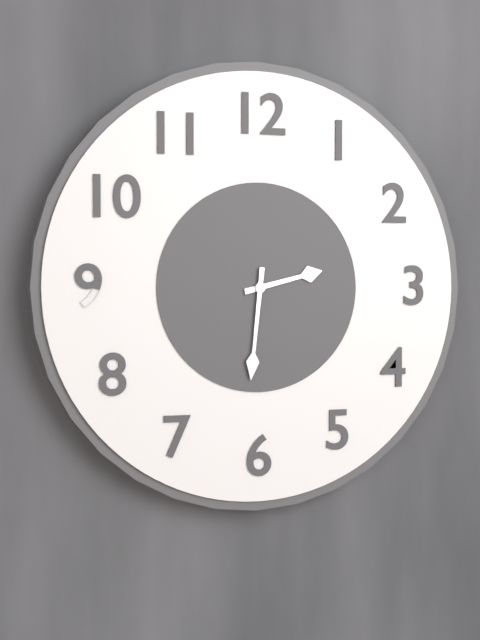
2h31
